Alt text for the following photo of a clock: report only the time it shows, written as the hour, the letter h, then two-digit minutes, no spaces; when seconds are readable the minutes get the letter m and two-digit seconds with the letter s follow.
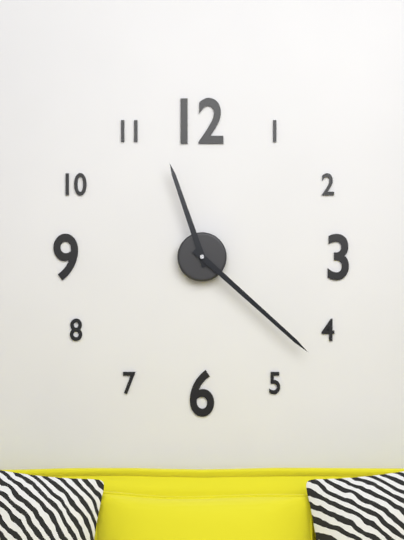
11h22
